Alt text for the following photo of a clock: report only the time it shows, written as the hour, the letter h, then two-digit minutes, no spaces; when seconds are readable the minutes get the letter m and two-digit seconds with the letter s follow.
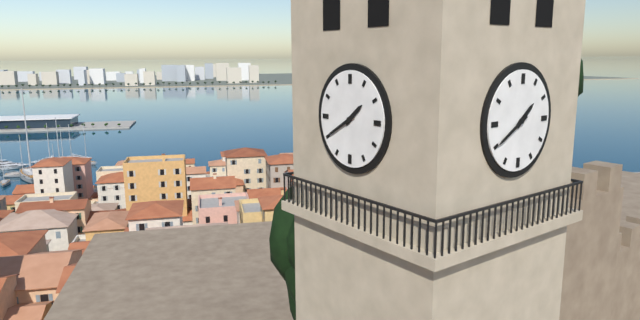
1h40
